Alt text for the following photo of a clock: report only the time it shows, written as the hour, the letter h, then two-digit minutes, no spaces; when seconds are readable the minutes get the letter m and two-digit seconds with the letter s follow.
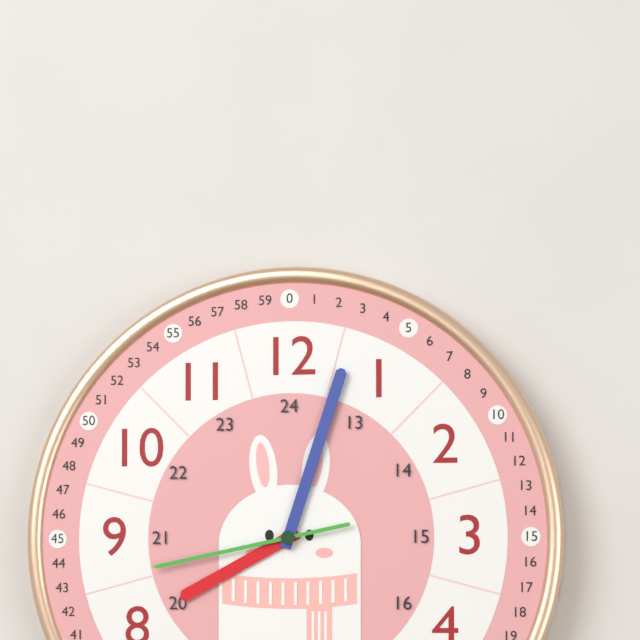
8h03m43s
